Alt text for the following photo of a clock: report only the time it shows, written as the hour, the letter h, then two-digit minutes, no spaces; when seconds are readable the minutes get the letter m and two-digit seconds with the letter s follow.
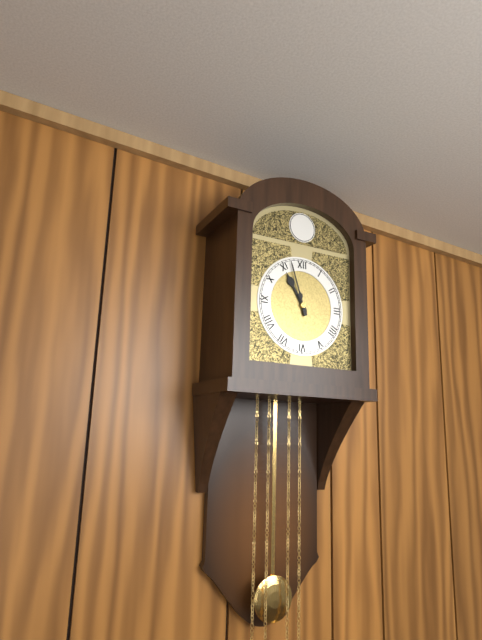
10h57
